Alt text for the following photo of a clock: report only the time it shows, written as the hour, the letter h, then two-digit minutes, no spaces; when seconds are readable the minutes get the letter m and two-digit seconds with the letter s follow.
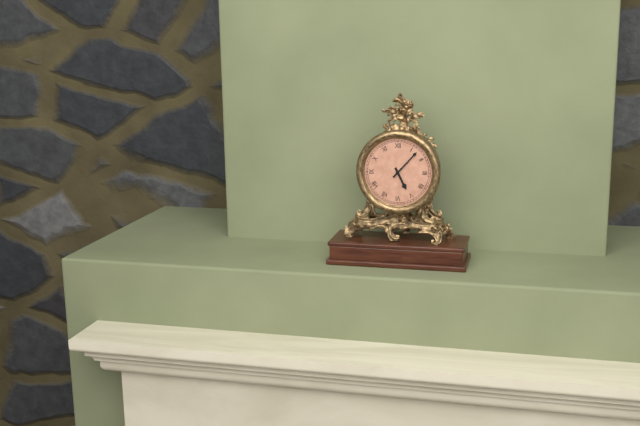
5h07
